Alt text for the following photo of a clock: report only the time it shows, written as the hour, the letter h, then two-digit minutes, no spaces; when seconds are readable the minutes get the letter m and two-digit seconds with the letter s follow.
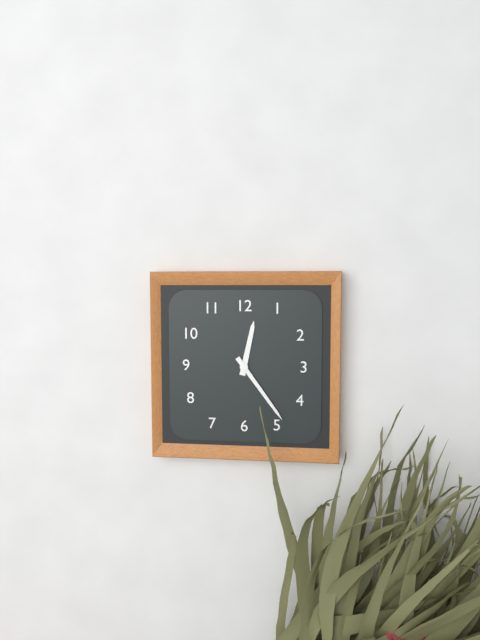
12h24
